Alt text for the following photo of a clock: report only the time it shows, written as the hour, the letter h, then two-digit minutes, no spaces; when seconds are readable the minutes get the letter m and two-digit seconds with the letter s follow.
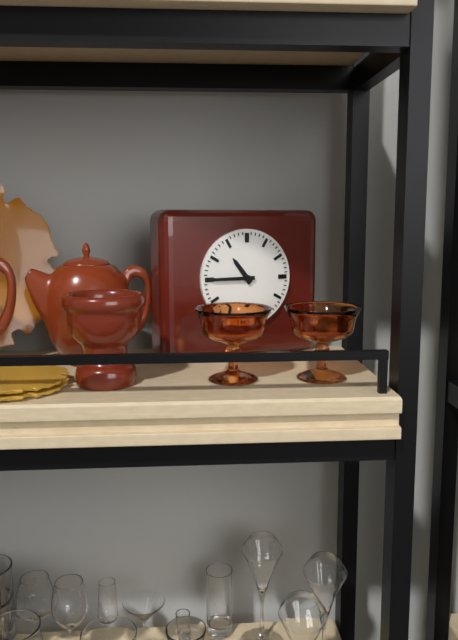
10h45
